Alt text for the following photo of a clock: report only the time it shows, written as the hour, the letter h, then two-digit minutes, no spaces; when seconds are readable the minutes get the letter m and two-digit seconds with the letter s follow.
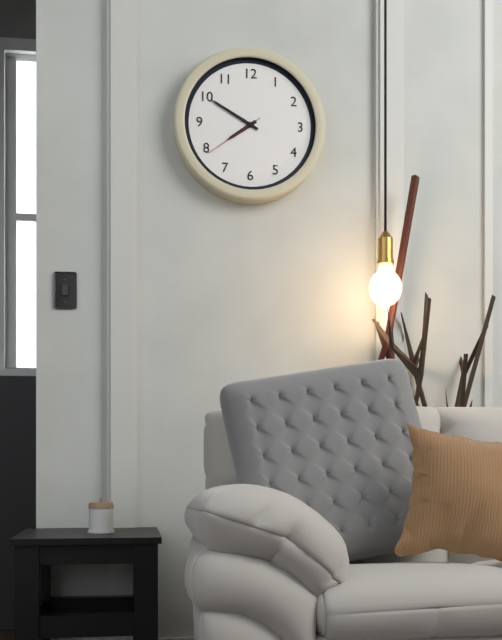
7h50m39s
